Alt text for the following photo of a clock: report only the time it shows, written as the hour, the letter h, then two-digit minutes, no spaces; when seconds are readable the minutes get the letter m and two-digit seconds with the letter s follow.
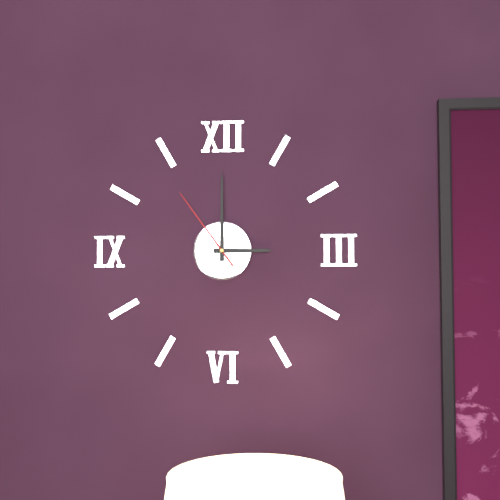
3h00m54s
